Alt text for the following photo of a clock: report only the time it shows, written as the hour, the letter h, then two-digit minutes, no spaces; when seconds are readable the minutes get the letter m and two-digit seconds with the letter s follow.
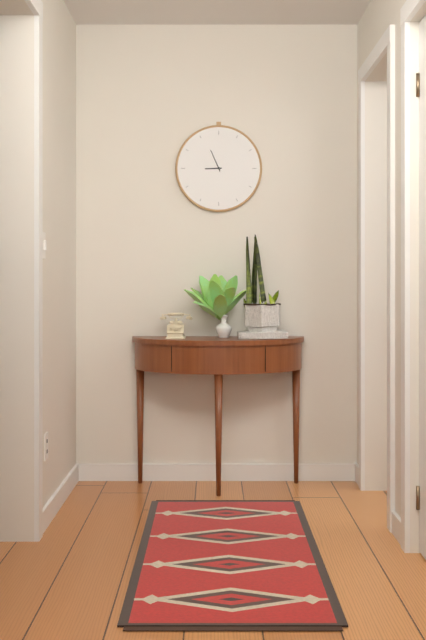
8h56
